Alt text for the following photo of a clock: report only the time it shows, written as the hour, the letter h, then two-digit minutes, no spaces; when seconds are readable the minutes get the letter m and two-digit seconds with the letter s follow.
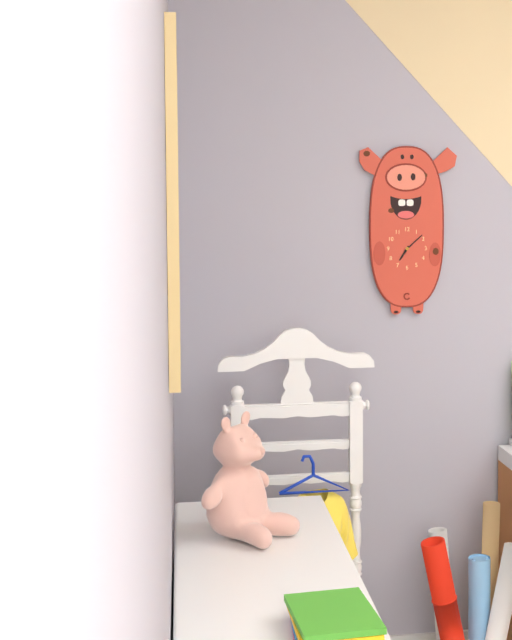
7h08
